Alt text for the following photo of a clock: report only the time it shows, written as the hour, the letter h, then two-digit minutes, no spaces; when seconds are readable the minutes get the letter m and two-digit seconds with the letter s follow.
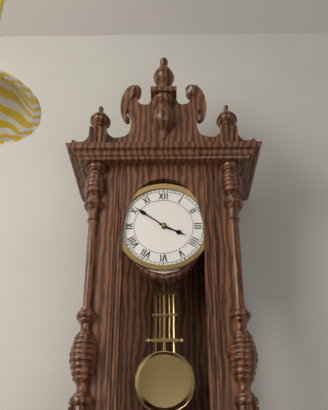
3h51
